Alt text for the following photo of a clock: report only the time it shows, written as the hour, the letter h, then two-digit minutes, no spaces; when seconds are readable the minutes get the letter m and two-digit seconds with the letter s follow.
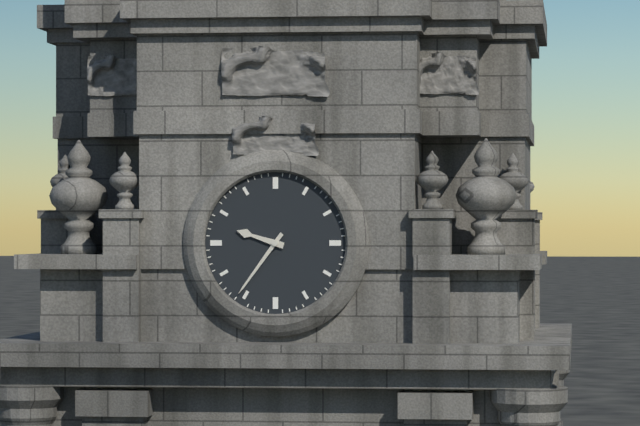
9h36
